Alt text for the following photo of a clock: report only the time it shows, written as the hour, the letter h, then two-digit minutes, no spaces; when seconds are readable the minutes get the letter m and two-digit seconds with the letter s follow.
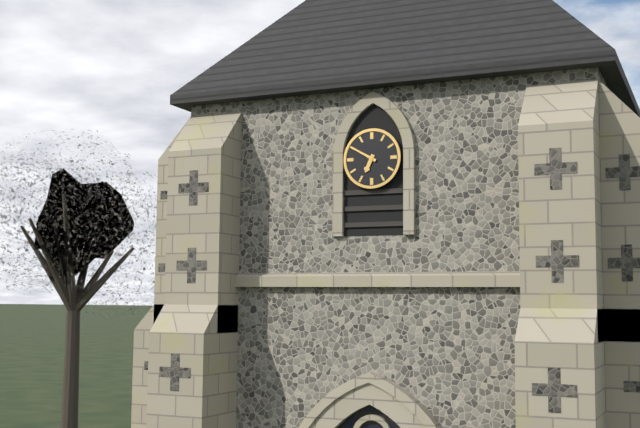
6h50
